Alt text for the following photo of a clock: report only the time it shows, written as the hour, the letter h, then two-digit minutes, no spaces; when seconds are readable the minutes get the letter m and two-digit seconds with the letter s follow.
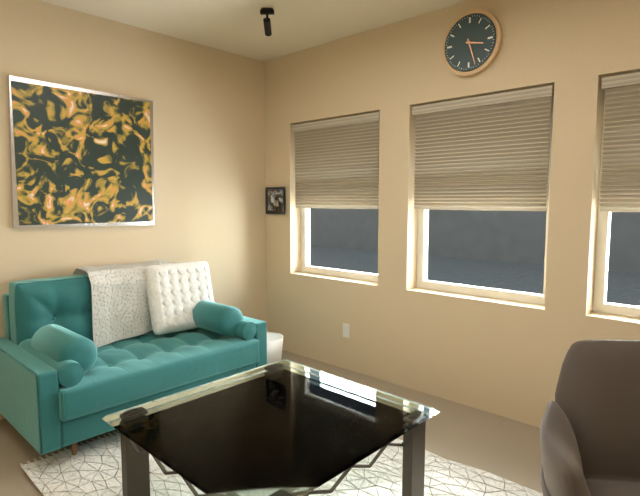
3h27
